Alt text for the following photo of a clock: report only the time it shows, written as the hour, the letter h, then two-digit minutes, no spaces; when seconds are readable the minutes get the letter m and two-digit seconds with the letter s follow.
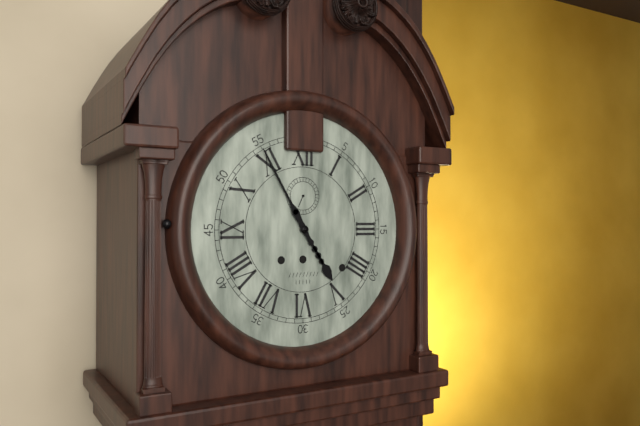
4h55
